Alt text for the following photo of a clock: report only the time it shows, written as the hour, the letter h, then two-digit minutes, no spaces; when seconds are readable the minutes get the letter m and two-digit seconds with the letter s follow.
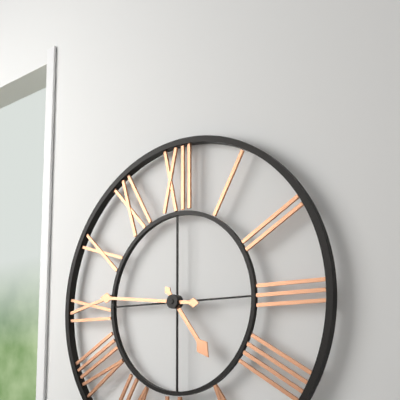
4h46
